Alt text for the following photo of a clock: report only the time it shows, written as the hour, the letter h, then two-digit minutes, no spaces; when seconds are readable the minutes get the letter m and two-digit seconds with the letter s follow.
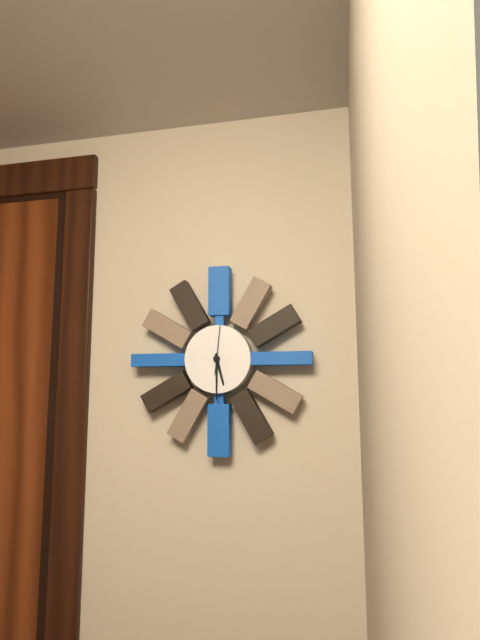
5h30
